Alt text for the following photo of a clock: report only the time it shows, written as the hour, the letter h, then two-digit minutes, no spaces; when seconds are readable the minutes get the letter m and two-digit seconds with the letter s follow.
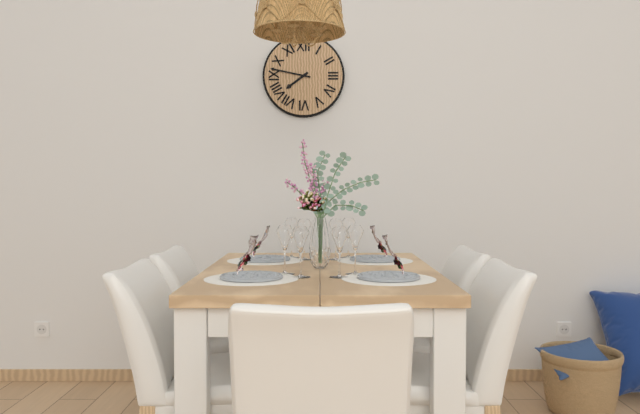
7h47
